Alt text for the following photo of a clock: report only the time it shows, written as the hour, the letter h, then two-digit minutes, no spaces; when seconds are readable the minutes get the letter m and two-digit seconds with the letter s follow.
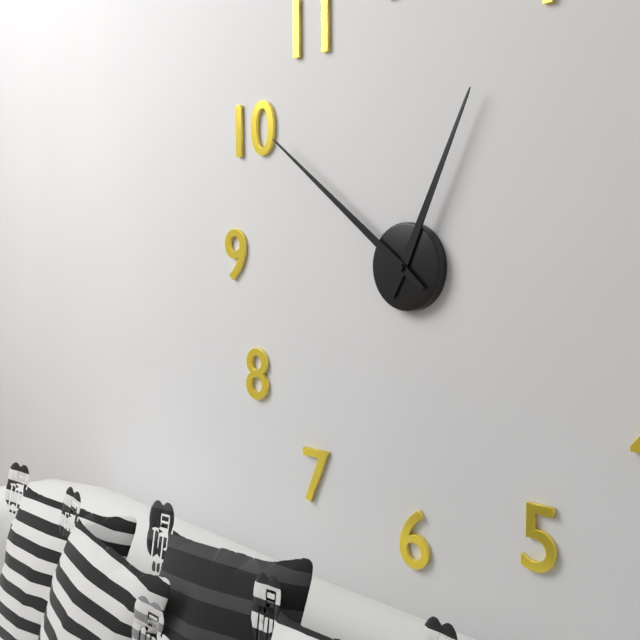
12h51
